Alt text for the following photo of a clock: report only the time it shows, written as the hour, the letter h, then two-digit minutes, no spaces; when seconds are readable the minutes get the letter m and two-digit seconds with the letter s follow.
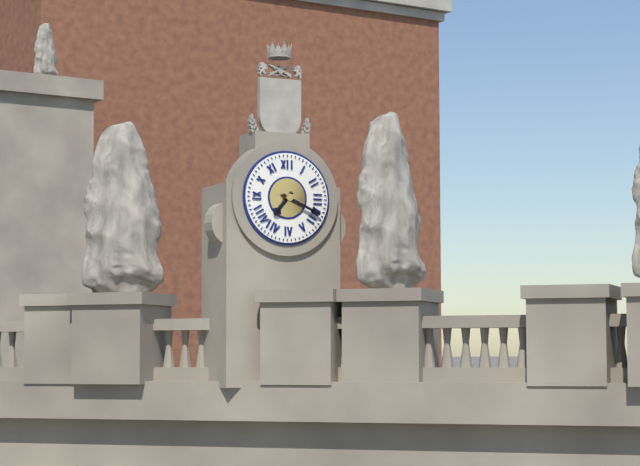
7h19
